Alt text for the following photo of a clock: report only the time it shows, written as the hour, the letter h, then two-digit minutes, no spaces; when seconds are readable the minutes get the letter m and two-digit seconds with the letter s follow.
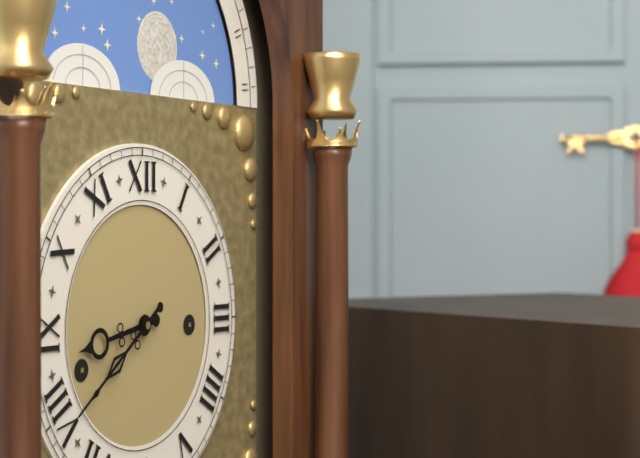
8h39
